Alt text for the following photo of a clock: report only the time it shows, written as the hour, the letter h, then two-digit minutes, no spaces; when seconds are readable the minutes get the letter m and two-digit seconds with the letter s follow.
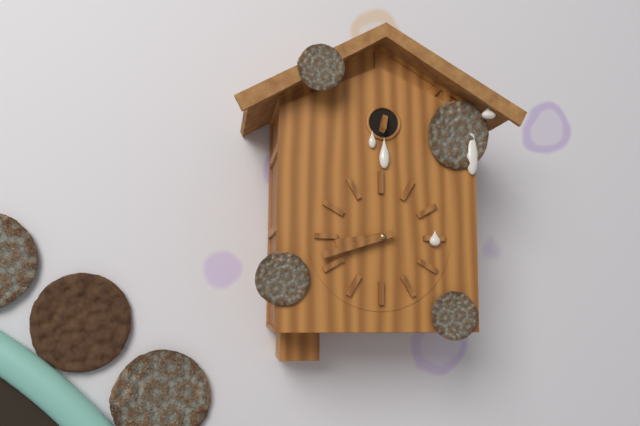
8h42
